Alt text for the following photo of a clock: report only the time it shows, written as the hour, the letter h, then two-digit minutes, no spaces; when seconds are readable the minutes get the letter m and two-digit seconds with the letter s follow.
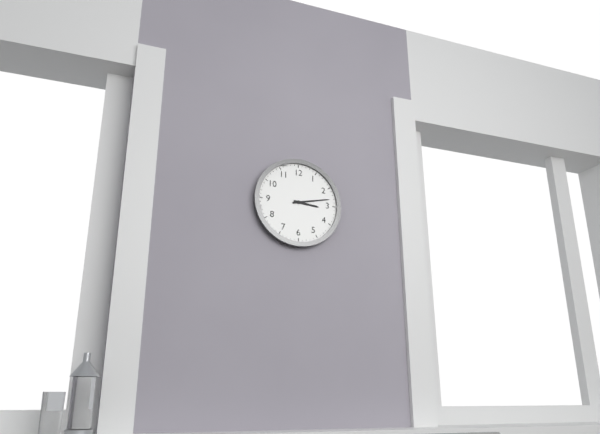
3h13
